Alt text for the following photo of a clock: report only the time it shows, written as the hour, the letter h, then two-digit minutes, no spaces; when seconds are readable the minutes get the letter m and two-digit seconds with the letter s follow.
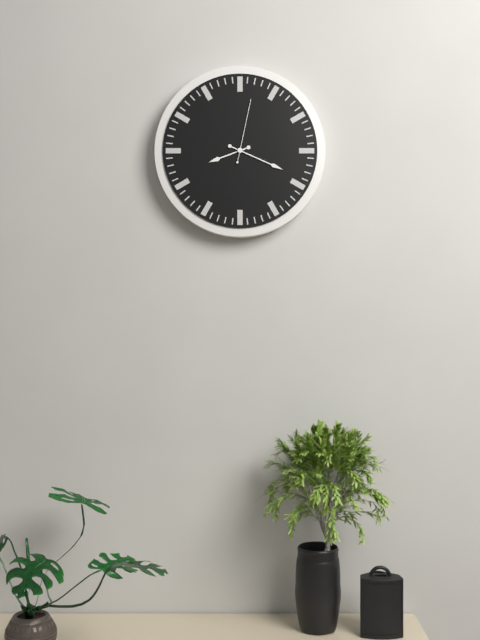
8h19m02s
